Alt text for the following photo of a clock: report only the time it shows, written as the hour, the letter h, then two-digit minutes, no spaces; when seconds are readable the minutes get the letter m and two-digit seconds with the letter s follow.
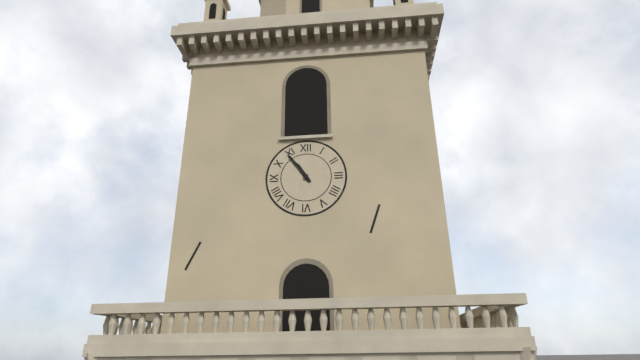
10h54
